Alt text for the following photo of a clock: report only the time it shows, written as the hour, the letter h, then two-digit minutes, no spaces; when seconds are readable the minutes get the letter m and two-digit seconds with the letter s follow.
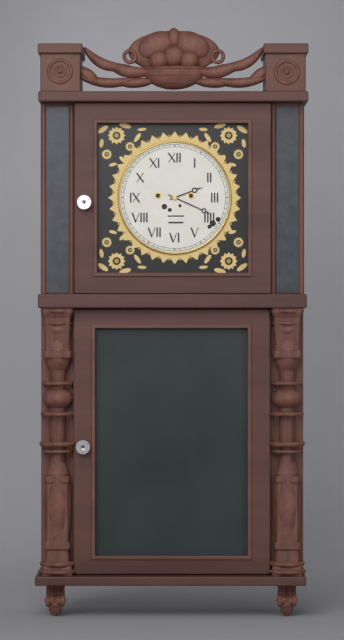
2h19
